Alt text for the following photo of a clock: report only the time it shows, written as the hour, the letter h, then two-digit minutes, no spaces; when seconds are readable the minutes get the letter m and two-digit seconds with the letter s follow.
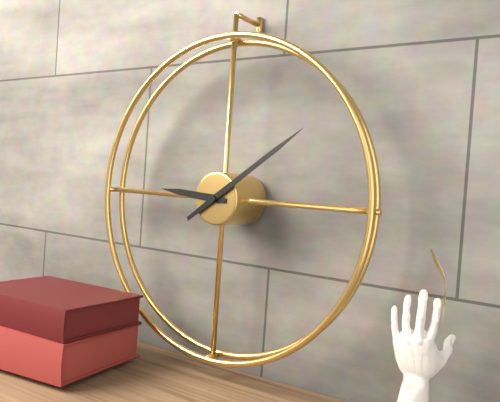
9h09
